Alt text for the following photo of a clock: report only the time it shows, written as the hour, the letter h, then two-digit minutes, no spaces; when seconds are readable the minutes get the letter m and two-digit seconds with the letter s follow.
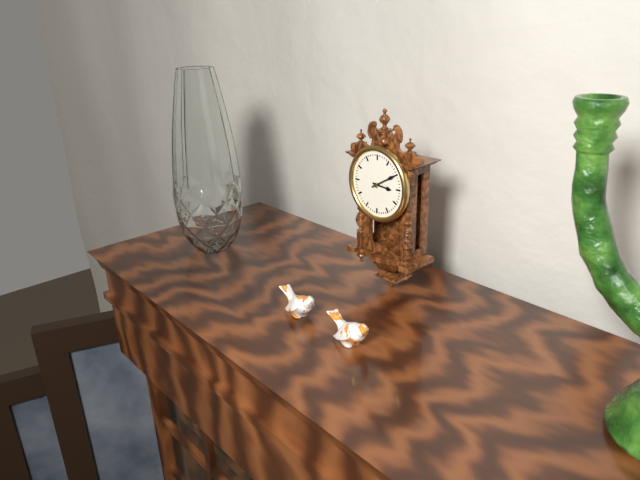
3h10
